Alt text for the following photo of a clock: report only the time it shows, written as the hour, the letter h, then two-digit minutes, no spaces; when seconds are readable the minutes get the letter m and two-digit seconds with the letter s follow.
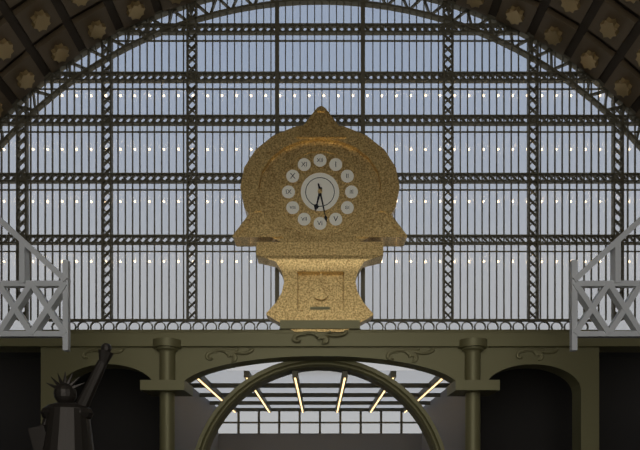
6h28
